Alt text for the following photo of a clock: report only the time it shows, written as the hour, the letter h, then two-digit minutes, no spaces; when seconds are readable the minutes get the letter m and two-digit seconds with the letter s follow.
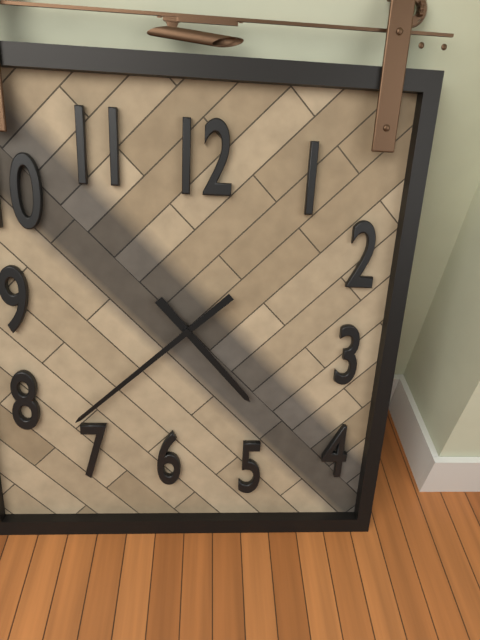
4h38
